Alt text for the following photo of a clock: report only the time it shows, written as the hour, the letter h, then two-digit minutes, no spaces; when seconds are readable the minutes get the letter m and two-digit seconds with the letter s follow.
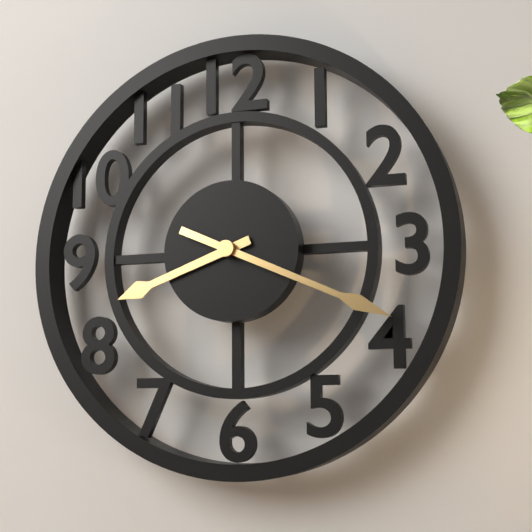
8h19
